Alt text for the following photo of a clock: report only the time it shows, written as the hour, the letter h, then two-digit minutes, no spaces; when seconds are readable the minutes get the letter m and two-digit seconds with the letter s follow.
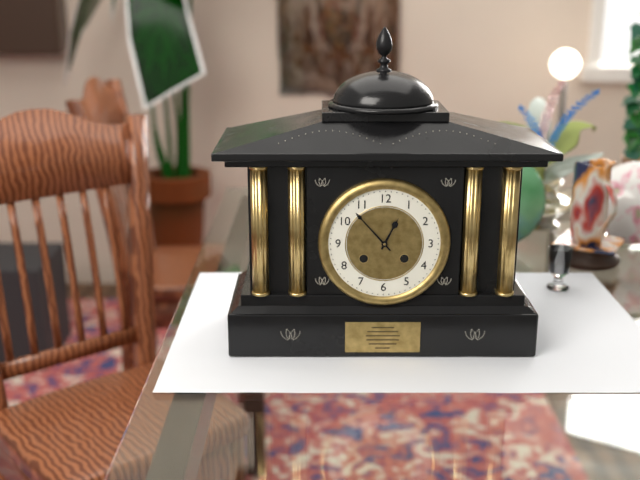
12h53
